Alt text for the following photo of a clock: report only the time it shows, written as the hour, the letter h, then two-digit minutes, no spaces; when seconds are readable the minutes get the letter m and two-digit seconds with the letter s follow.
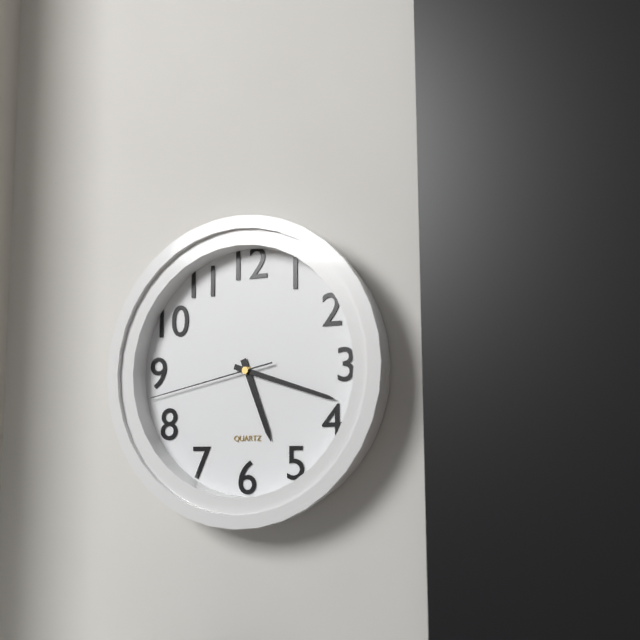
5h18m43s
